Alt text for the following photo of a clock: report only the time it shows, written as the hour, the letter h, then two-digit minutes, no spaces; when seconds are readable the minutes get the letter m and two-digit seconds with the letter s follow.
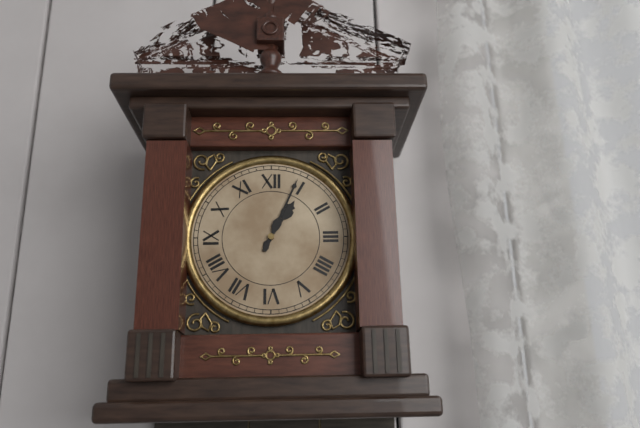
1h04
